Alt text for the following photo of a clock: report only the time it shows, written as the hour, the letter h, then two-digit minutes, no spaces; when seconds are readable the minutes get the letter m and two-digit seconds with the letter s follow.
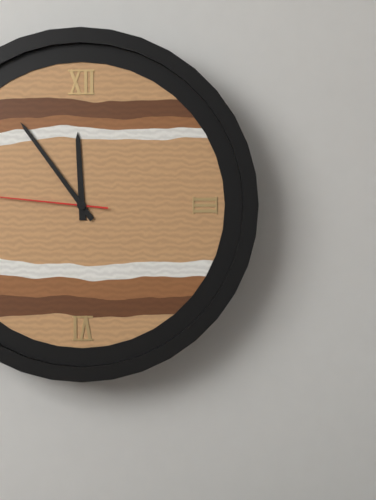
11h54
